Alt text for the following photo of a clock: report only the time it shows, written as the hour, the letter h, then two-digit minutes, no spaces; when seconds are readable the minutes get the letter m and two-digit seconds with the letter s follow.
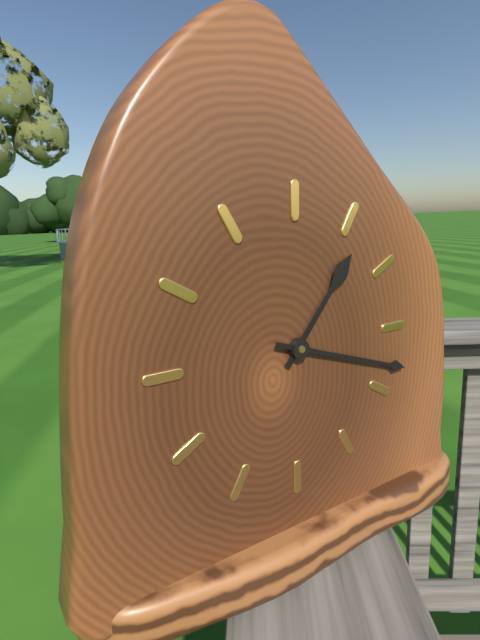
1h18
